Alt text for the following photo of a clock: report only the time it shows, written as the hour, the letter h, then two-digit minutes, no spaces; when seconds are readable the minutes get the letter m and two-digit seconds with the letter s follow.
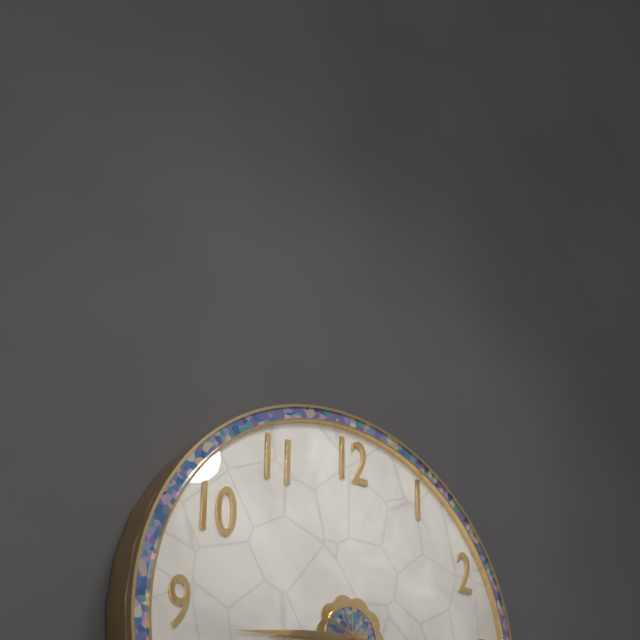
8h44
